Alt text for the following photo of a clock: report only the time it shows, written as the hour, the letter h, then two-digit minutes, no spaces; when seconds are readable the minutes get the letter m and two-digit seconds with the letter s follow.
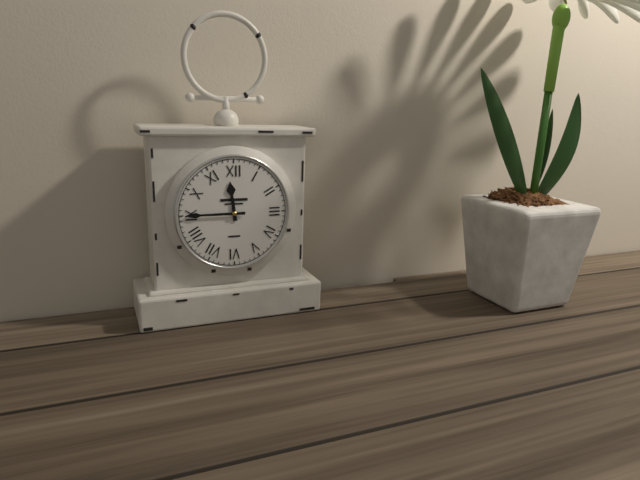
11h45
